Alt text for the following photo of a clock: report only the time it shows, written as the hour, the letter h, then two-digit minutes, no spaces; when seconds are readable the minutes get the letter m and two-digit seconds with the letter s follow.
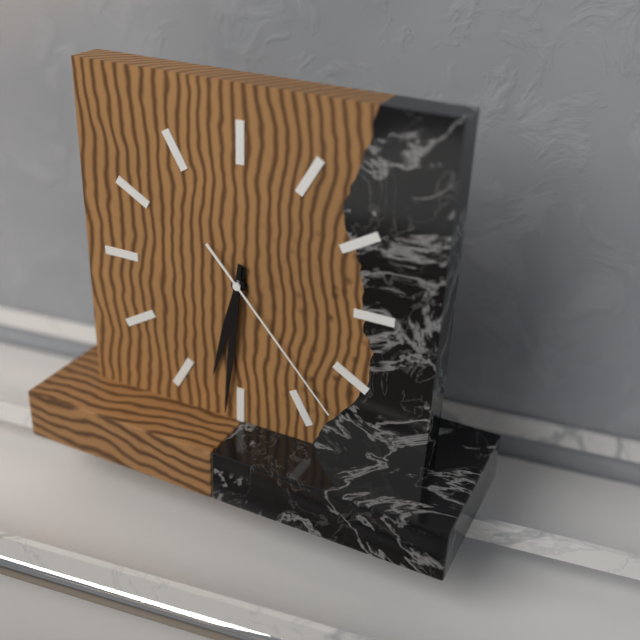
6h31m23s
